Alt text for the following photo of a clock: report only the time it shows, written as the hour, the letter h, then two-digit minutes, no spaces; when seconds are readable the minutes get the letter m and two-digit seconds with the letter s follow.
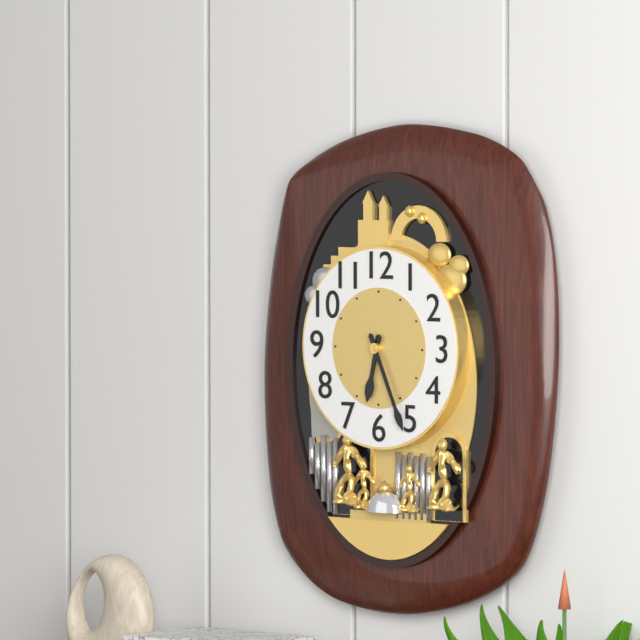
6h26
